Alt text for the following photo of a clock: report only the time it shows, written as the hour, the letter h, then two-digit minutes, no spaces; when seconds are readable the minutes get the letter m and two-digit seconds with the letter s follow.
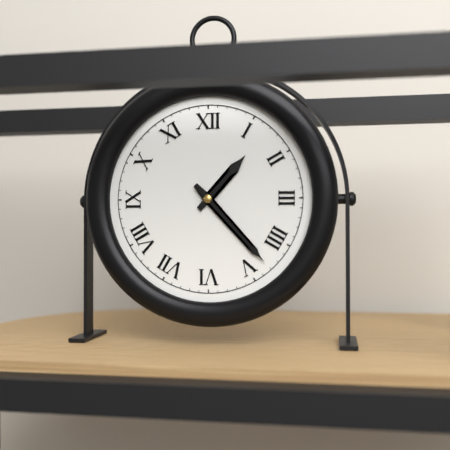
1h23
